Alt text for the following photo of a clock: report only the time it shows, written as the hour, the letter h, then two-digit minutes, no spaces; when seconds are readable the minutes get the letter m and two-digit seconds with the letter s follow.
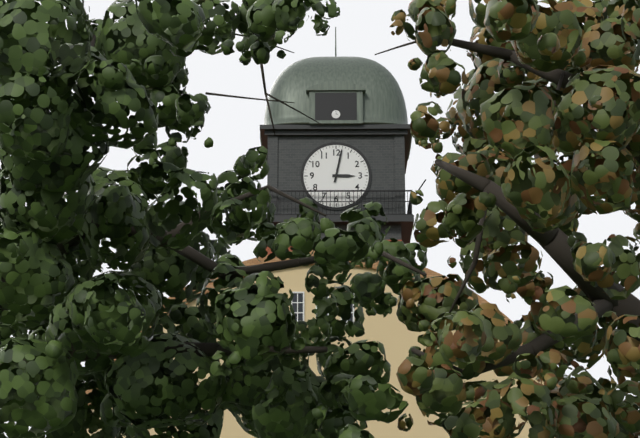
3h02
